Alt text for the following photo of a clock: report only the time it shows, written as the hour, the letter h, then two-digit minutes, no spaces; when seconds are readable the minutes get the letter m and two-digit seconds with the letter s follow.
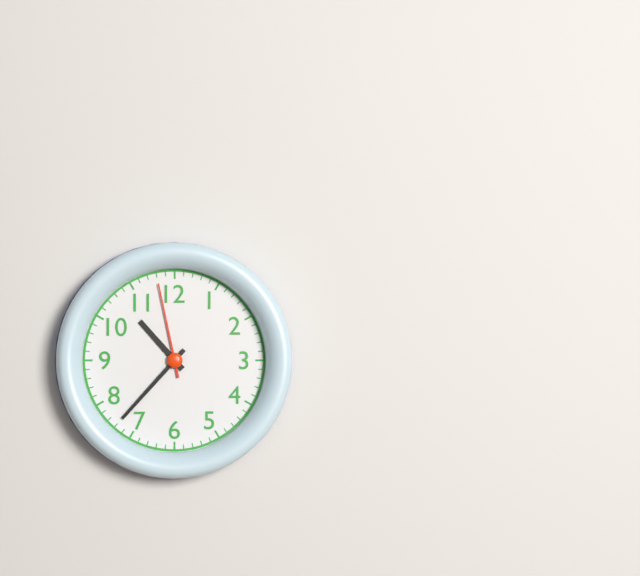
10h37m58s
